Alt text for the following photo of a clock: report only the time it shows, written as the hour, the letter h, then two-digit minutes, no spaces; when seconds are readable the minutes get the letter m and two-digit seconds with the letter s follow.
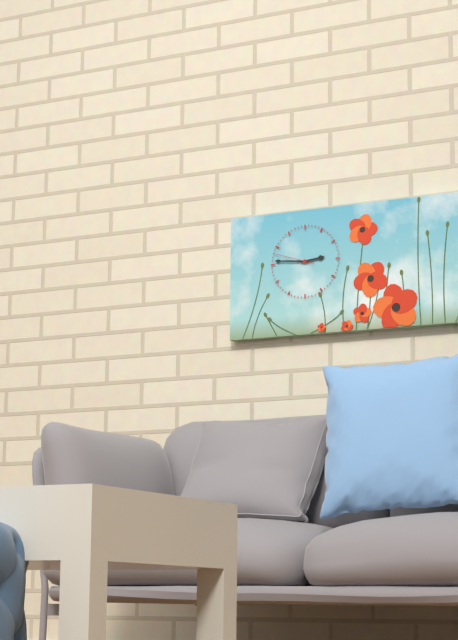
2h46
